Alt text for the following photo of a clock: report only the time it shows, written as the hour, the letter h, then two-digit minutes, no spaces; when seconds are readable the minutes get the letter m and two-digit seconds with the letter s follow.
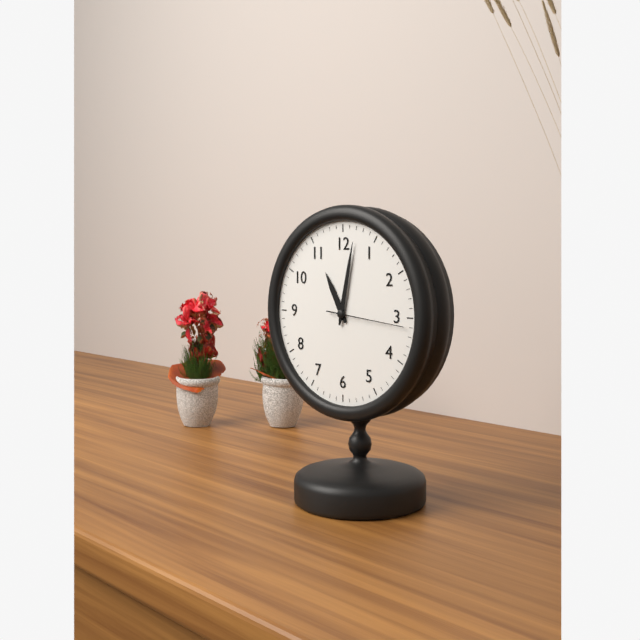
11h02m16s
